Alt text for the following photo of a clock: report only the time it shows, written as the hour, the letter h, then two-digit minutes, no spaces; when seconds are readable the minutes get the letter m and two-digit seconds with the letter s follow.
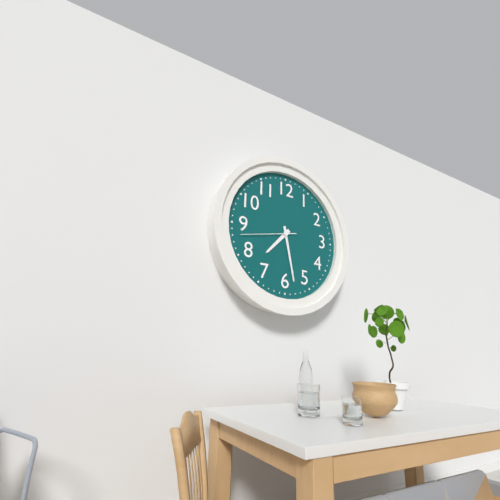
7h28m43s
